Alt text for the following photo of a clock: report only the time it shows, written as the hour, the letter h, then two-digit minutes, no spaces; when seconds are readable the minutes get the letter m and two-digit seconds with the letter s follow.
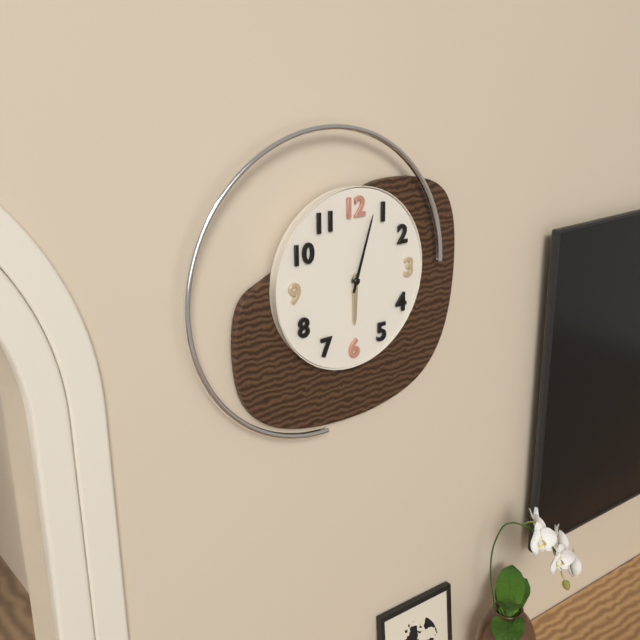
6h03
